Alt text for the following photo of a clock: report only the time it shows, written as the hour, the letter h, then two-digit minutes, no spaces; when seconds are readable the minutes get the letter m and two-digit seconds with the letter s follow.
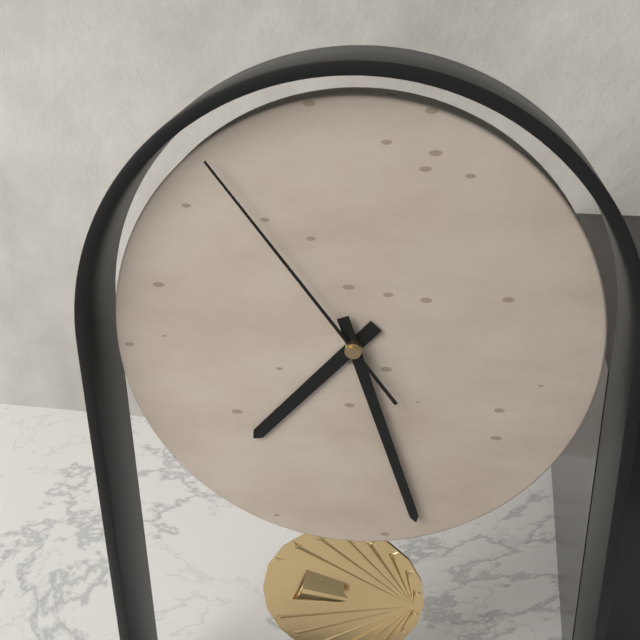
7h27m54s
